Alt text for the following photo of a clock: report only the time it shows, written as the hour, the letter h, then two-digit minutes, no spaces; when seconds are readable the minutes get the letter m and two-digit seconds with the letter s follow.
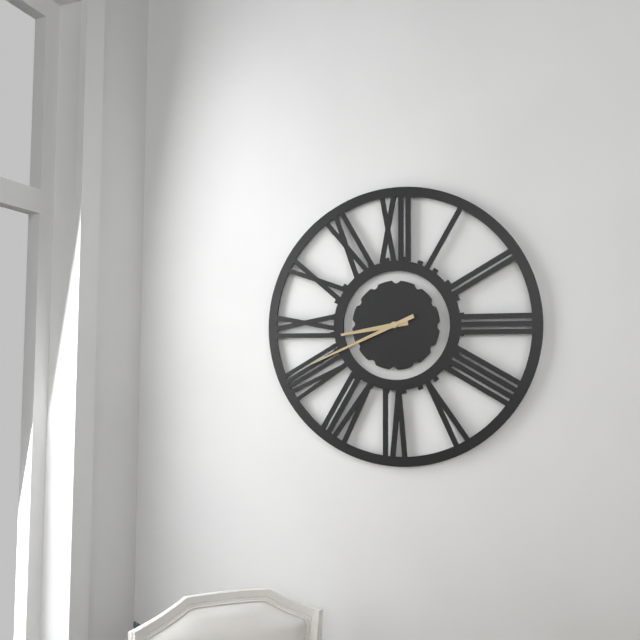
8h41
